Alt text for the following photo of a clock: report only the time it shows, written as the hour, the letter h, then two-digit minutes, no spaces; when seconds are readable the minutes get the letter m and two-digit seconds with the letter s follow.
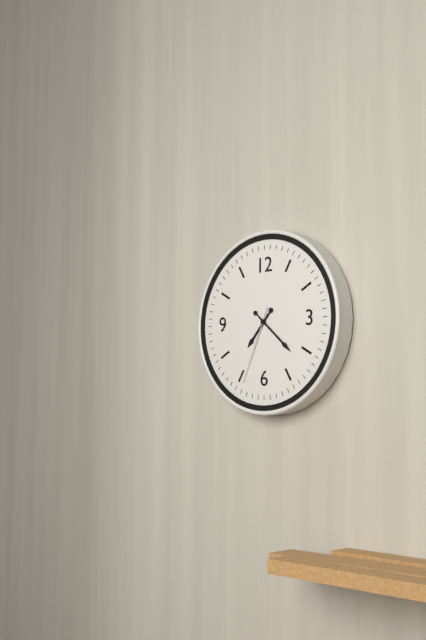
7h22m34s
